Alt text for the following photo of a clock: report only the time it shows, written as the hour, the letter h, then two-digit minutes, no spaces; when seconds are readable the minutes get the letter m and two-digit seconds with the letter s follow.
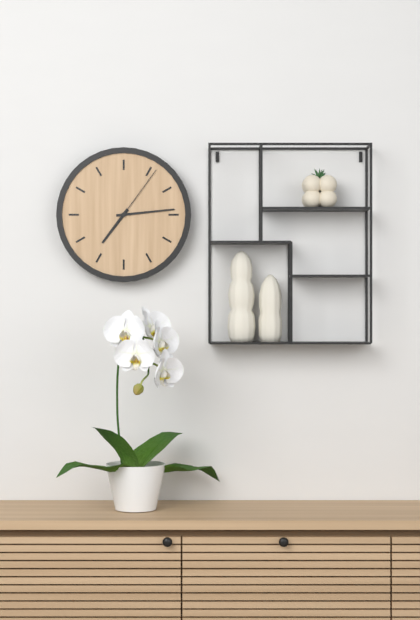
7h14m06s
